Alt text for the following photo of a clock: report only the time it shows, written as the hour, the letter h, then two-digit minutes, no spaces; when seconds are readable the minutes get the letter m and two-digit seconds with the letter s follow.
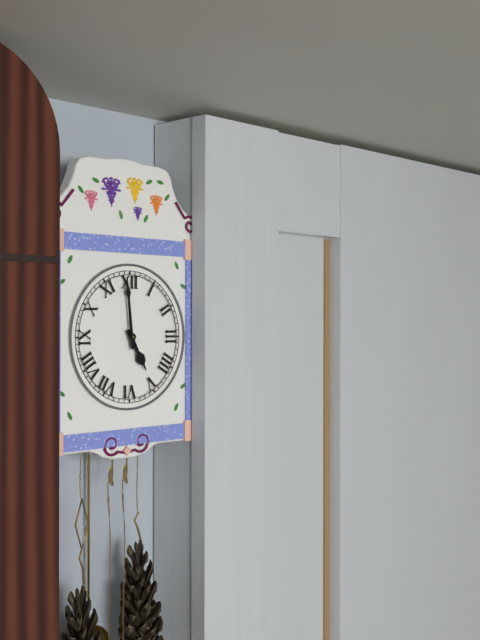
4h59
